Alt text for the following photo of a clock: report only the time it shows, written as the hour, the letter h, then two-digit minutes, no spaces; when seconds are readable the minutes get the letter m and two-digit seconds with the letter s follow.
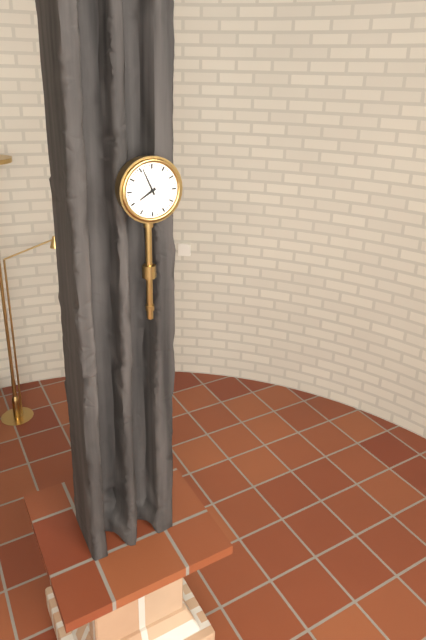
7h56
